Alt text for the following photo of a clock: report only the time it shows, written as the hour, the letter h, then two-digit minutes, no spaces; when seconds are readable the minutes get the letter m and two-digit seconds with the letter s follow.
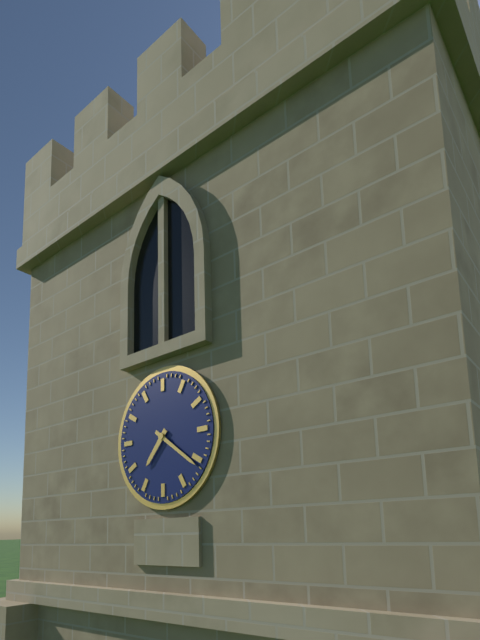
7h21
